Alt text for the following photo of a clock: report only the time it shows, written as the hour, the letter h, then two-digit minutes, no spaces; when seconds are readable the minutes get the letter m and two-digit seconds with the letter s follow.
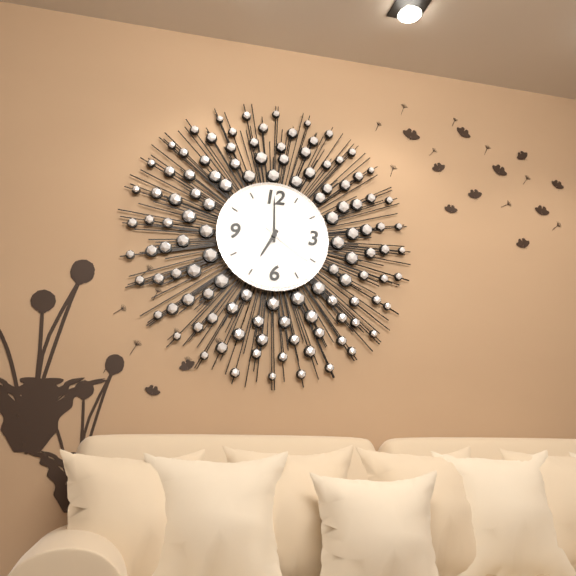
7h00m21s
